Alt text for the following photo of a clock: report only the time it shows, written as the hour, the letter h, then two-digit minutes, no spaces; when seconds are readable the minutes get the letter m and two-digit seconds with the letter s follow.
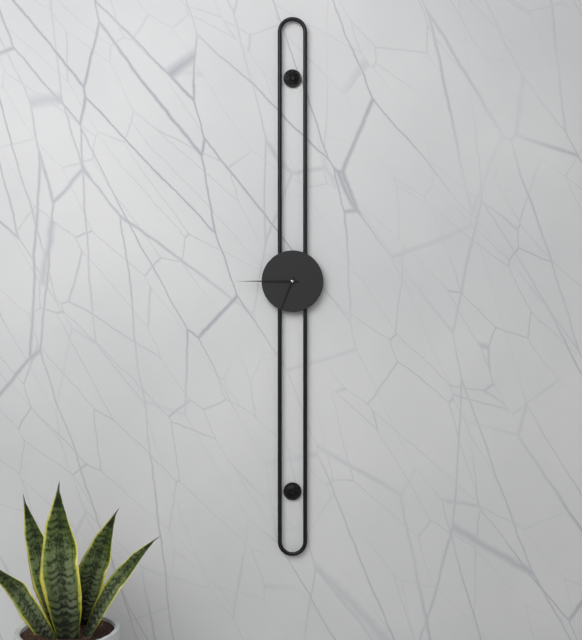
6h45
